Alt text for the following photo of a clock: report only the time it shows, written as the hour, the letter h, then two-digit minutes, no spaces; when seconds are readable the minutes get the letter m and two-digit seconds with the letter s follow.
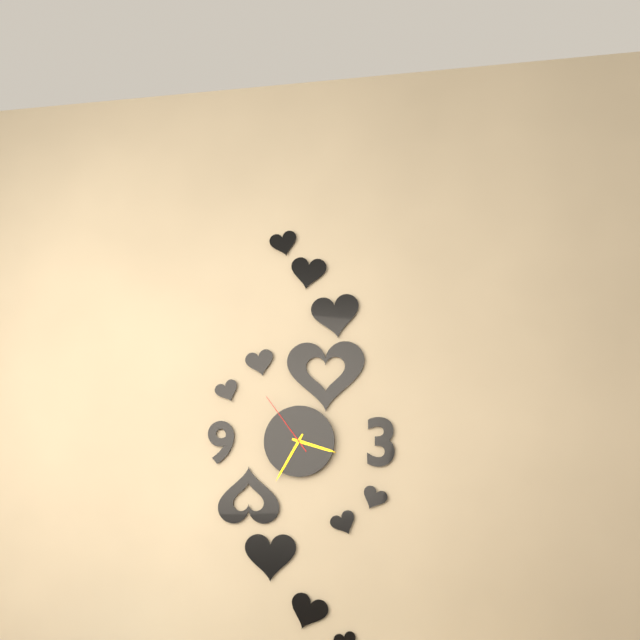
3h35m54s
